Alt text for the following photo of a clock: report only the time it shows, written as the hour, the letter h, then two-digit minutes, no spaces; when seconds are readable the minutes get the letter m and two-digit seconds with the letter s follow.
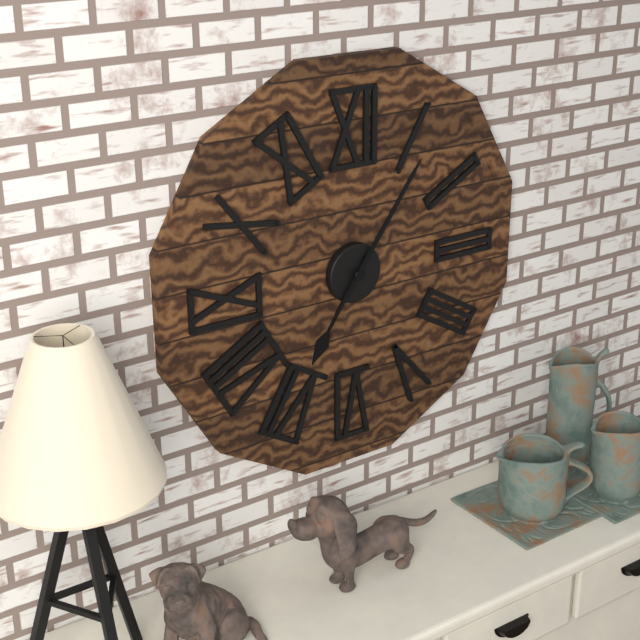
7h06
